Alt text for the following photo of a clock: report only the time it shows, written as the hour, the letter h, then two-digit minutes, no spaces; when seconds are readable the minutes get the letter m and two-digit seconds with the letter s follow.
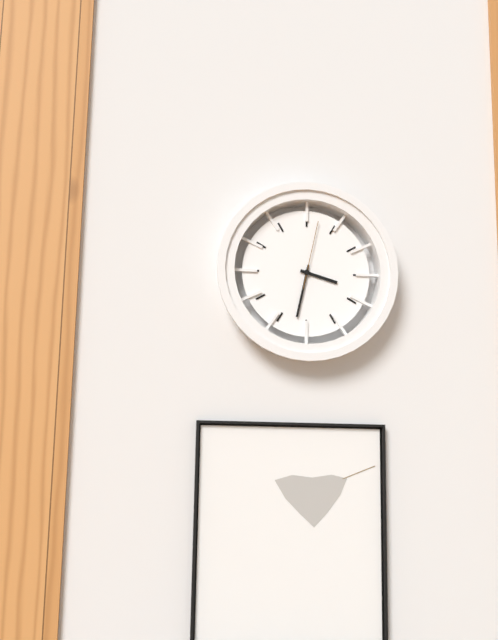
3h32m02s
